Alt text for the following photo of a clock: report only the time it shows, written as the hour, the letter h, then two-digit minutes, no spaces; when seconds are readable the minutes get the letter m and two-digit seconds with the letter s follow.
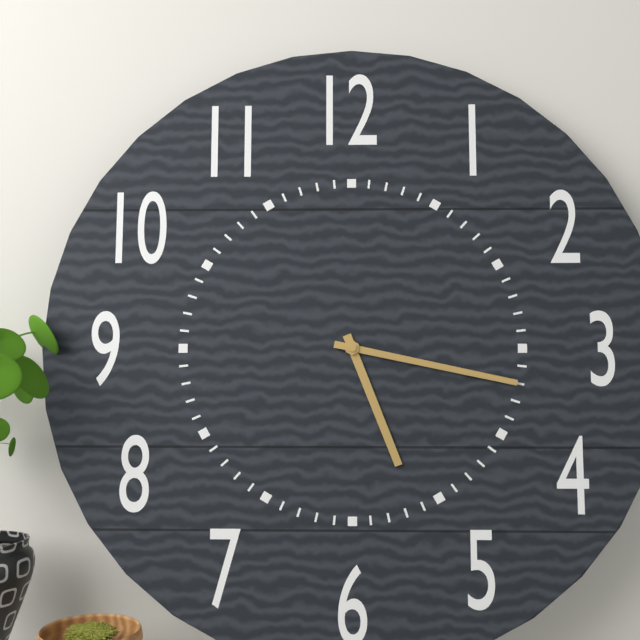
5h17
